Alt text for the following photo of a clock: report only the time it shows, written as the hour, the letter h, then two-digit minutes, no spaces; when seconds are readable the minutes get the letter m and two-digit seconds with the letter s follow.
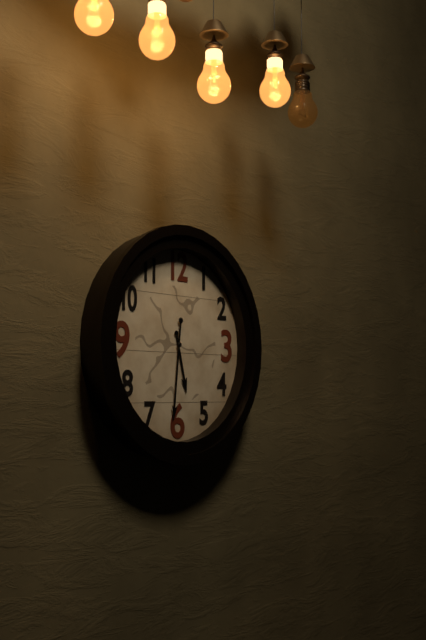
5h31
